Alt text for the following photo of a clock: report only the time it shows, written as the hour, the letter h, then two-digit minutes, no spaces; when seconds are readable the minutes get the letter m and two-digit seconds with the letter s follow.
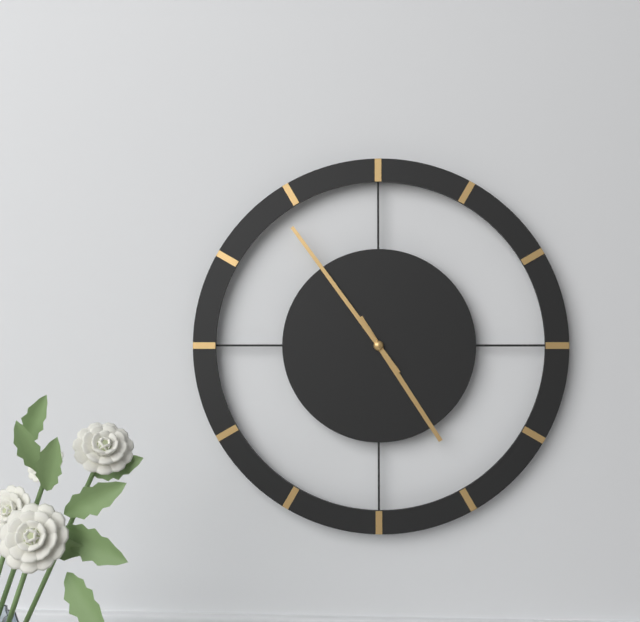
4h54
